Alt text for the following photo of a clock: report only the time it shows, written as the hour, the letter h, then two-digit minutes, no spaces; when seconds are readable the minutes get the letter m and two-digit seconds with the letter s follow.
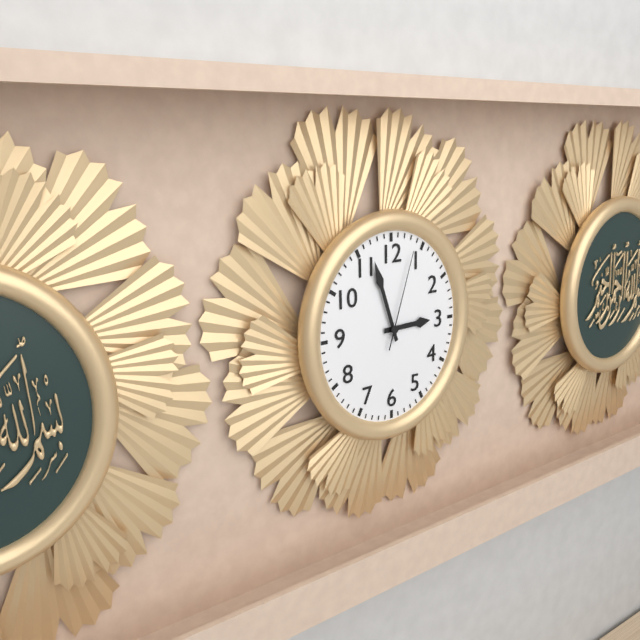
2h57m03s
